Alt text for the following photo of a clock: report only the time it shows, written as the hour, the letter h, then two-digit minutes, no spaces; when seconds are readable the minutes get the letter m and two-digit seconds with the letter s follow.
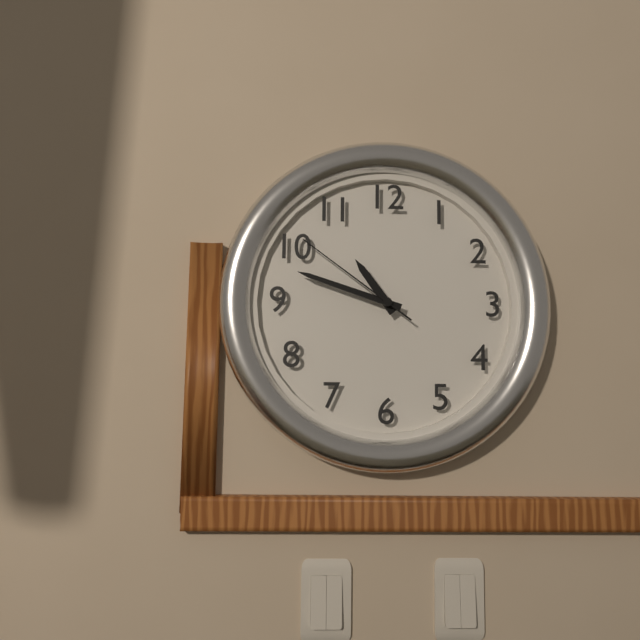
10h48m51s
